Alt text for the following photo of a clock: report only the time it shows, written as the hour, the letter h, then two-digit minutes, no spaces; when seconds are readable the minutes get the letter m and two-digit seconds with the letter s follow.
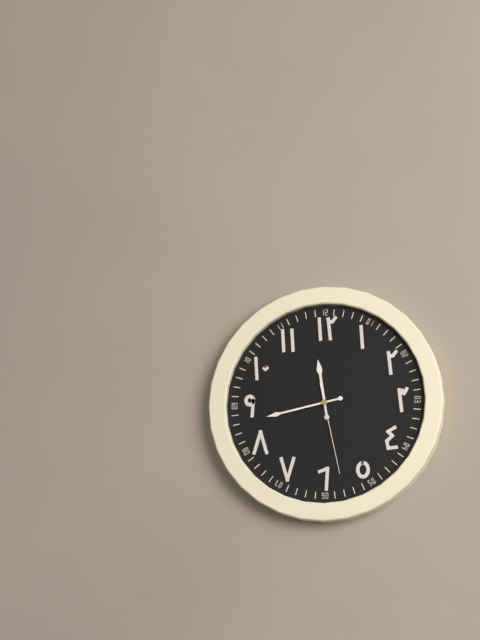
11h43m28s
